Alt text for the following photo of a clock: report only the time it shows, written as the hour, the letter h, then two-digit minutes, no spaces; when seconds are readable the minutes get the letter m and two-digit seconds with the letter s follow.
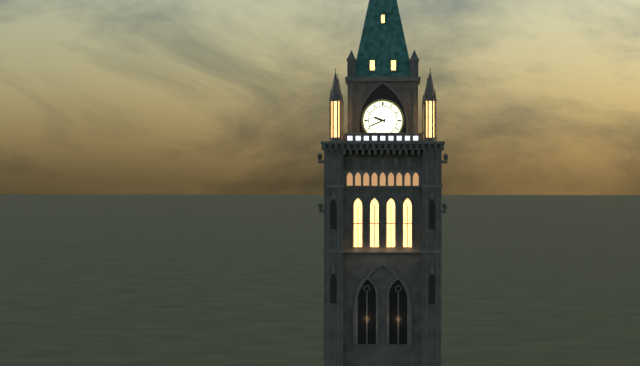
9h41
